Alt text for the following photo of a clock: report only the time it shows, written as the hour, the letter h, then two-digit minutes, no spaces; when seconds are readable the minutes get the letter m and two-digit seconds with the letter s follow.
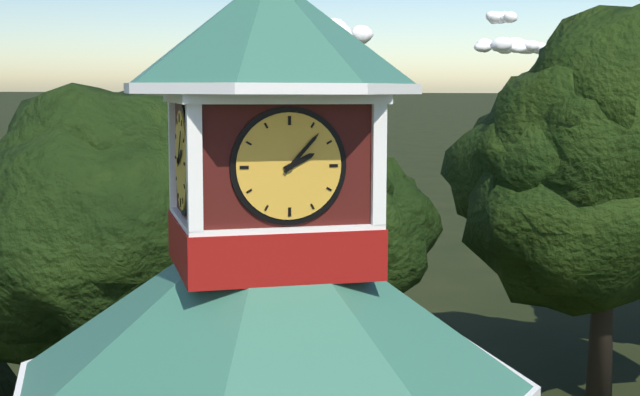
2h07
